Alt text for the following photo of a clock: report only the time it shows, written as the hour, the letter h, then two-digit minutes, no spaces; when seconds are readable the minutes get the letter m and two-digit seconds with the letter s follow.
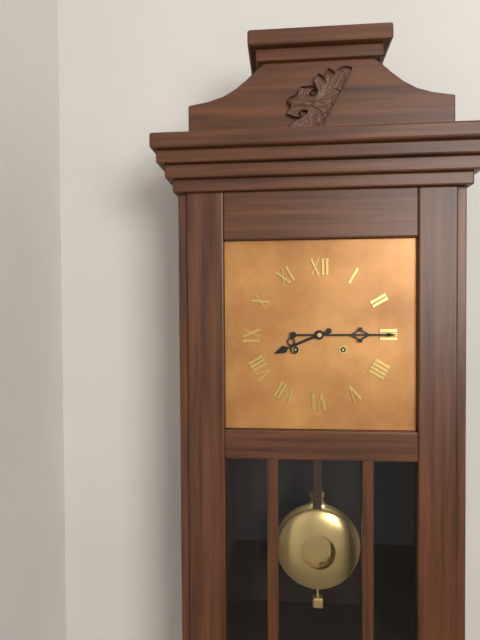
8h15
